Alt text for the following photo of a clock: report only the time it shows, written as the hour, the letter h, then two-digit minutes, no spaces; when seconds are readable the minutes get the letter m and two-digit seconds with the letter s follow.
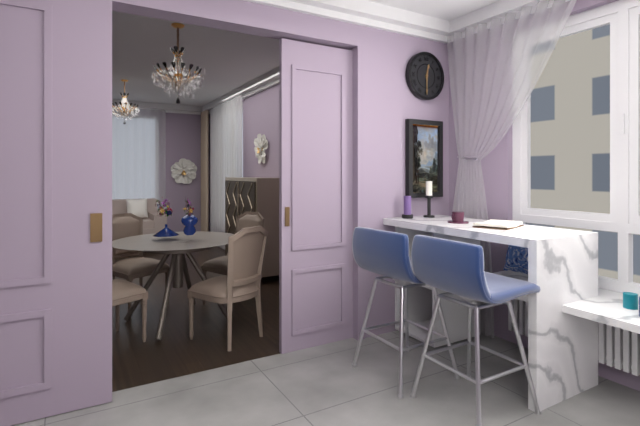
12h30
